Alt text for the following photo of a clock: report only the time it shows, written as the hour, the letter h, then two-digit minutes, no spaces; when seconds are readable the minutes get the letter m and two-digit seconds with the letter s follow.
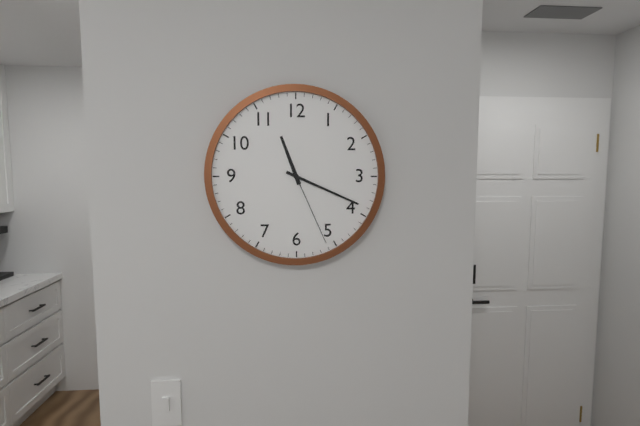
11h19m26s
